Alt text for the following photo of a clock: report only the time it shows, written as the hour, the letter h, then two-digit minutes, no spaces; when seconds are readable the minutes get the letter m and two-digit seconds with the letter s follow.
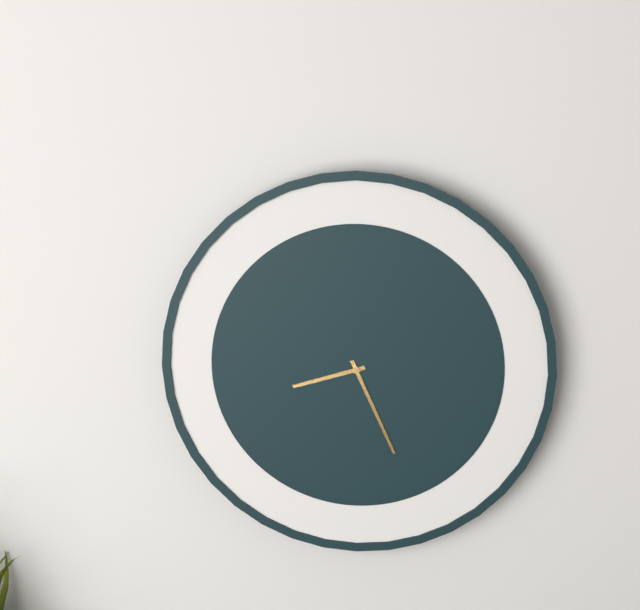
8h26
